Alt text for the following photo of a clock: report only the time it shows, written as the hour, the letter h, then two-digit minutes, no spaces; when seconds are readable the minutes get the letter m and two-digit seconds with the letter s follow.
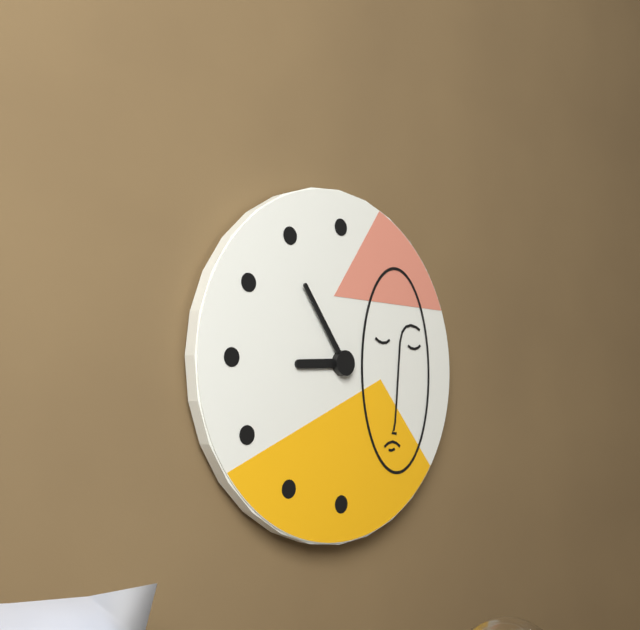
8h54
